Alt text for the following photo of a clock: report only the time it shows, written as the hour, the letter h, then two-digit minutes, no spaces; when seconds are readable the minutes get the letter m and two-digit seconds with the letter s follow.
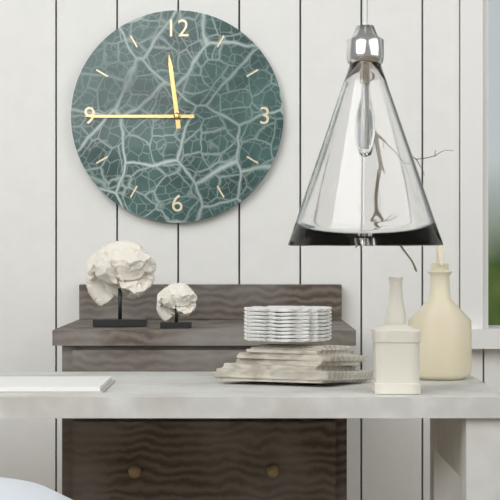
11h45
